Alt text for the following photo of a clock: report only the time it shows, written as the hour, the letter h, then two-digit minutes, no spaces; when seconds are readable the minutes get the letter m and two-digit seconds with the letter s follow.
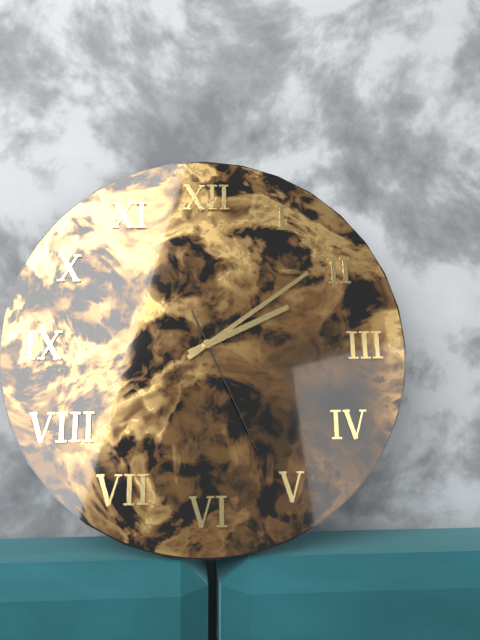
2h09m26s
